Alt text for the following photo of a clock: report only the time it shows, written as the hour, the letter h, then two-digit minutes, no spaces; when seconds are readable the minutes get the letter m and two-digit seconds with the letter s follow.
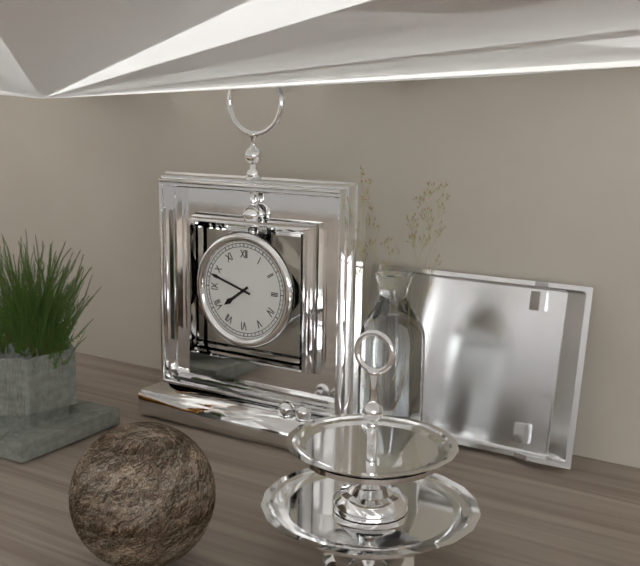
7h48
